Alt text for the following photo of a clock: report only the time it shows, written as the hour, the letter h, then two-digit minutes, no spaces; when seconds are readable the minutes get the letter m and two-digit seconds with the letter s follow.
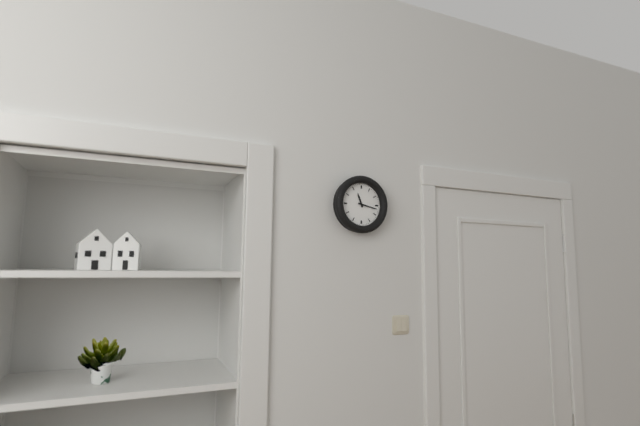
11h17
